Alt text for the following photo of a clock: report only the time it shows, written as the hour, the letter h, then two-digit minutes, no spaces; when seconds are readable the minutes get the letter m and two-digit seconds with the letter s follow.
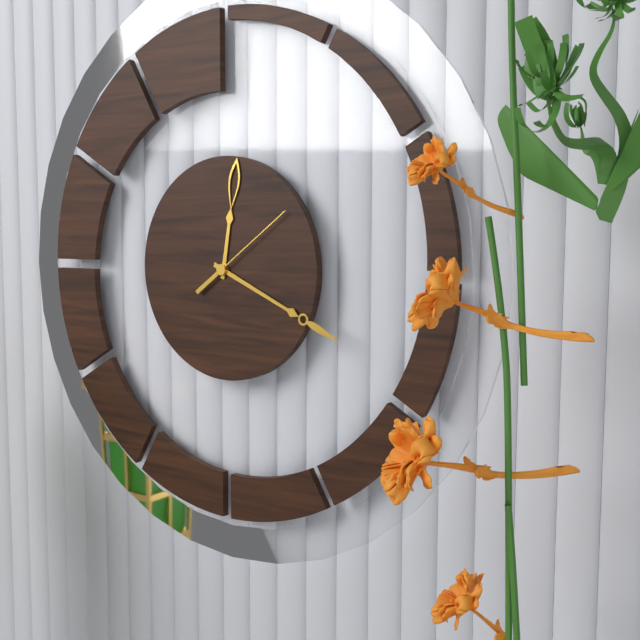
12h19m09s
